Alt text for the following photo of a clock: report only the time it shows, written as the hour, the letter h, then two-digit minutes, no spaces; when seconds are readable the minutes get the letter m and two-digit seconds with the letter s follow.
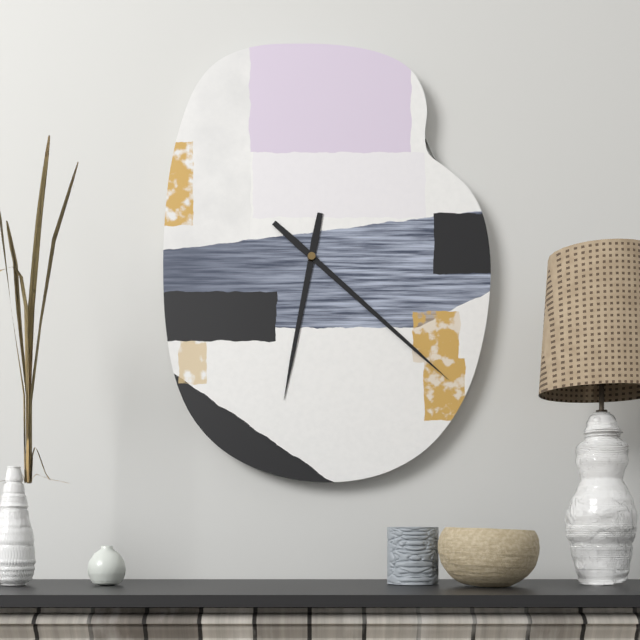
6h22
